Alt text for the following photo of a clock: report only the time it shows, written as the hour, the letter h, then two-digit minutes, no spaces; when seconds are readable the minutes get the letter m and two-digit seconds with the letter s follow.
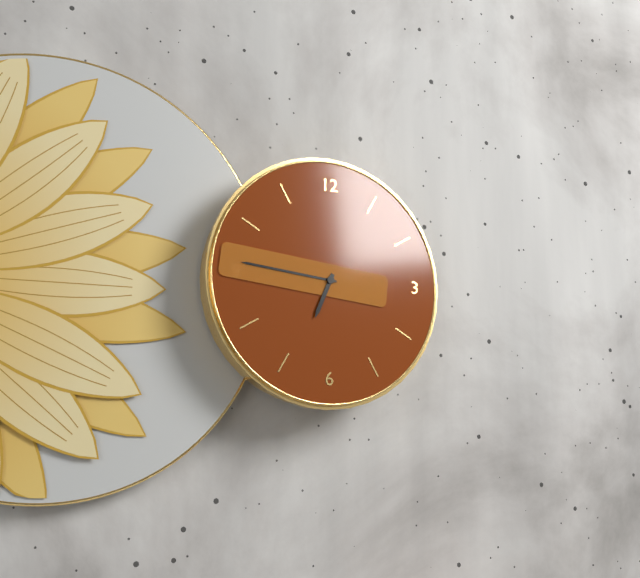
6h46
